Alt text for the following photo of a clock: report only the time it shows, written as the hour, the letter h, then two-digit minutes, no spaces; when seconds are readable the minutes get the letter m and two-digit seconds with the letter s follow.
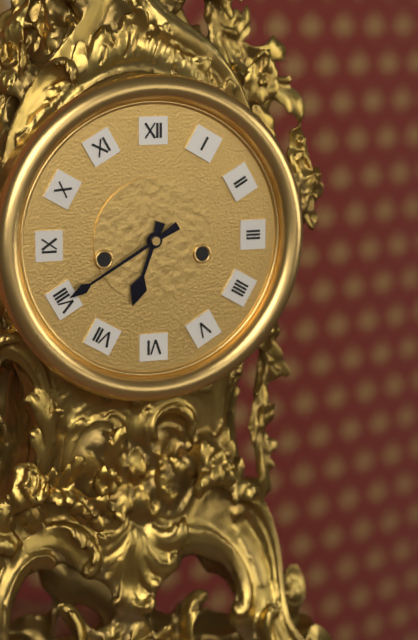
6h40
